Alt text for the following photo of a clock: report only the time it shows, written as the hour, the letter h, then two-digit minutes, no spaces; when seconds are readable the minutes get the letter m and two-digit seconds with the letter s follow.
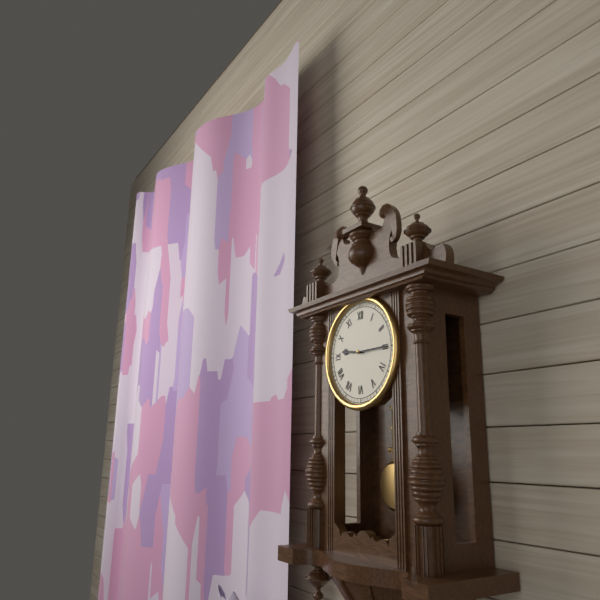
9h15
